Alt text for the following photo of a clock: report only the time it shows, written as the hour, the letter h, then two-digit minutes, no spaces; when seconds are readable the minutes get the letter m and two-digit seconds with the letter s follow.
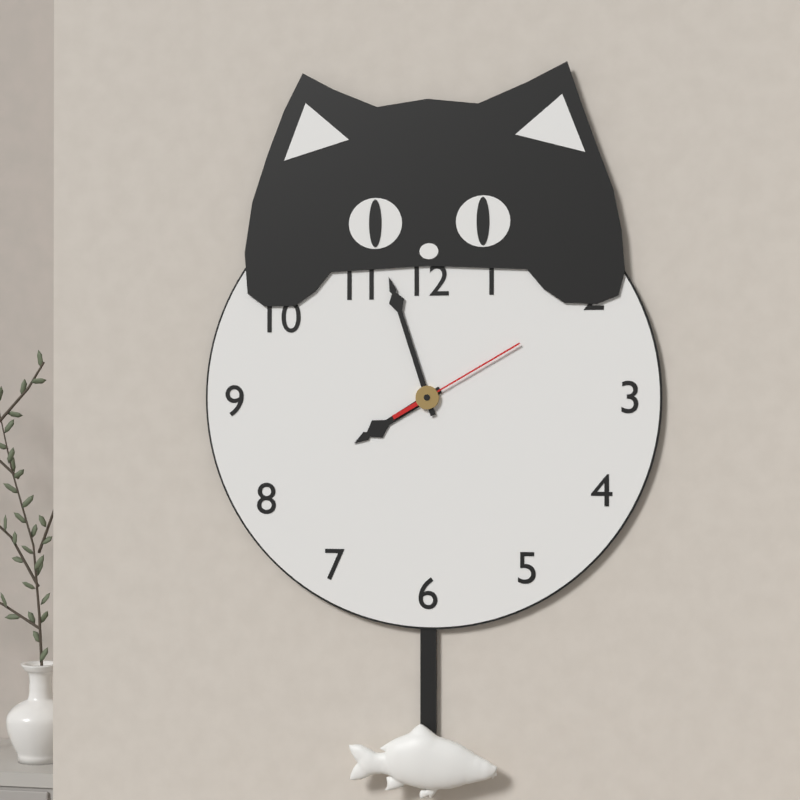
7h57m10s
